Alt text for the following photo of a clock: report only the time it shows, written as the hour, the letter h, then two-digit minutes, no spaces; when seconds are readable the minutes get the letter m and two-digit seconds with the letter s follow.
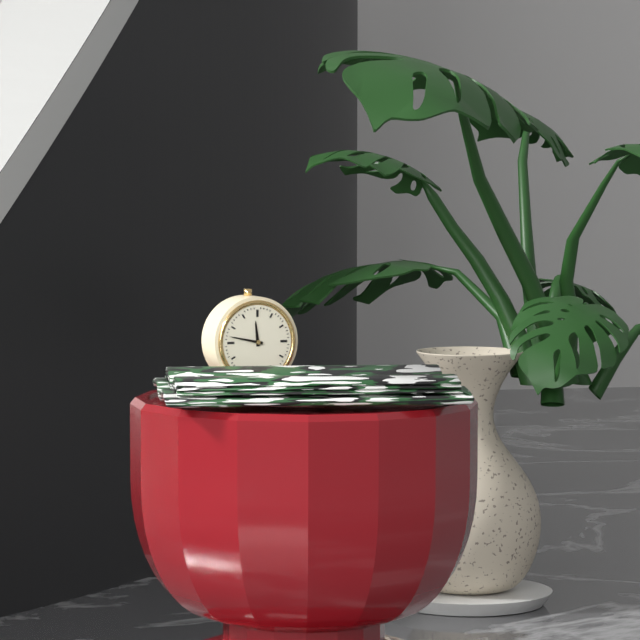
11h47
